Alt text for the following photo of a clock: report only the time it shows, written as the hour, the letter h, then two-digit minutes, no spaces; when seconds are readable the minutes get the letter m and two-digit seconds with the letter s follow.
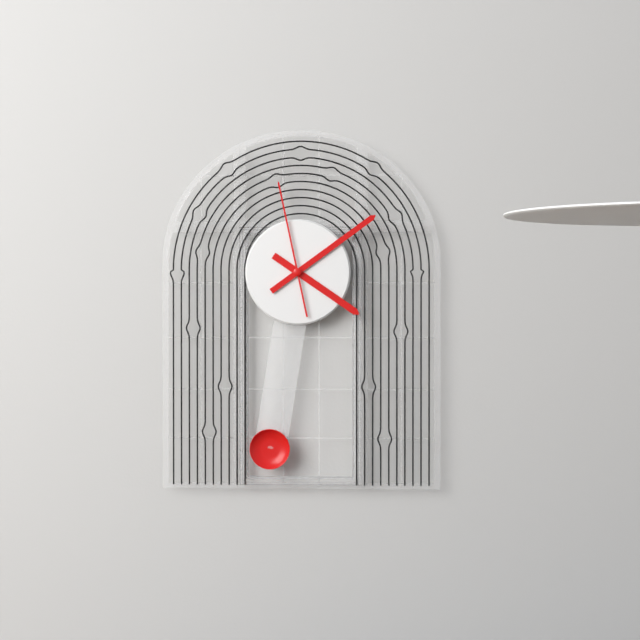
4h09m58s
